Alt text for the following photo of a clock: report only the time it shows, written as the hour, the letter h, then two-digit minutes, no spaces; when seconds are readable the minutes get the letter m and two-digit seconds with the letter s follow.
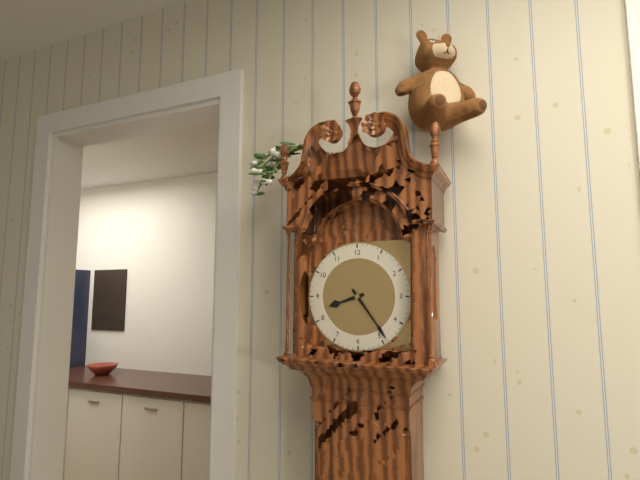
8h24
